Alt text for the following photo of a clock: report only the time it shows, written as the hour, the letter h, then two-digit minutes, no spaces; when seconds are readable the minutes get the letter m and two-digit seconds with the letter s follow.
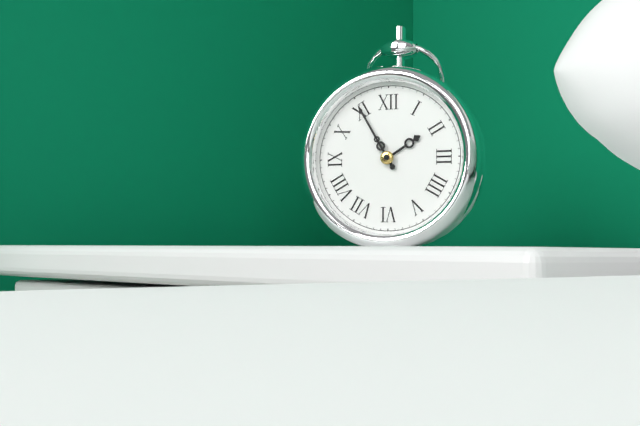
1h55
